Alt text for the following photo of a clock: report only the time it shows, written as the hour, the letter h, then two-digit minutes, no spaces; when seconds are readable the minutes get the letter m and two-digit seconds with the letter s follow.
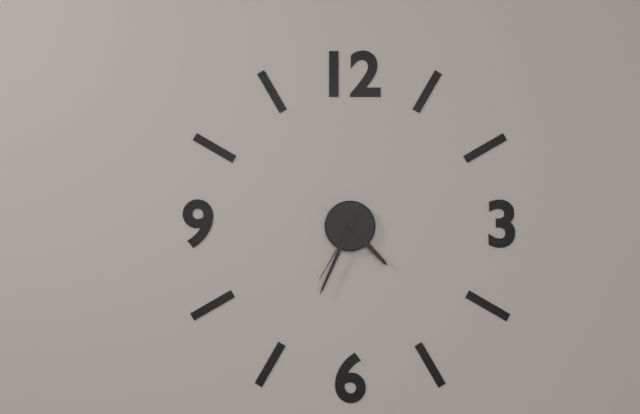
4h34m35s
